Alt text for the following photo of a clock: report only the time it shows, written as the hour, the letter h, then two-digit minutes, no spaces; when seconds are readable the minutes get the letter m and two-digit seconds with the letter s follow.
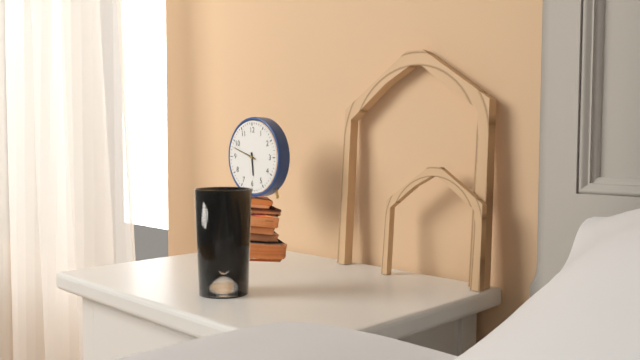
5h48
